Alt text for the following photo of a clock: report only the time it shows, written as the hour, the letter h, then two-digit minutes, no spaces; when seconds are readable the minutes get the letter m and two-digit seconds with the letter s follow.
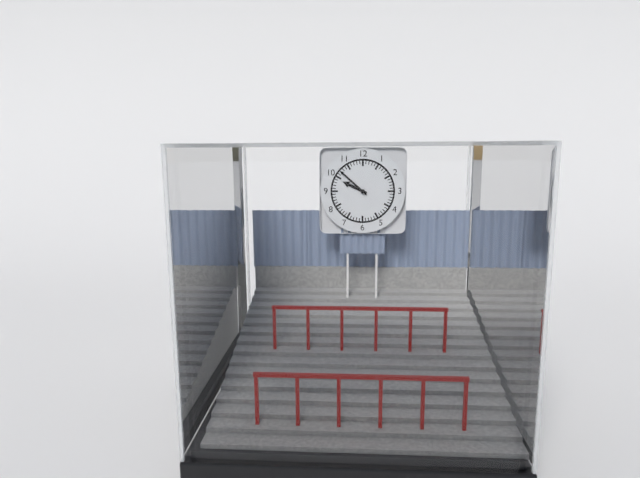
9h52
